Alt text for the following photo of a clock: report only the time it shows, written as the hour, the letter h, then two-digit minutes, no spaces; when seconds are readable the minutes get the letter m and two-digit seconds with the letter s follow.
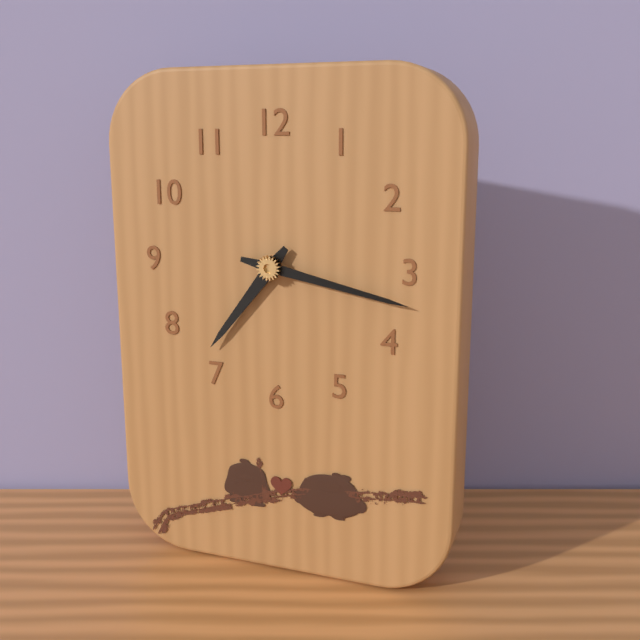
7h17
